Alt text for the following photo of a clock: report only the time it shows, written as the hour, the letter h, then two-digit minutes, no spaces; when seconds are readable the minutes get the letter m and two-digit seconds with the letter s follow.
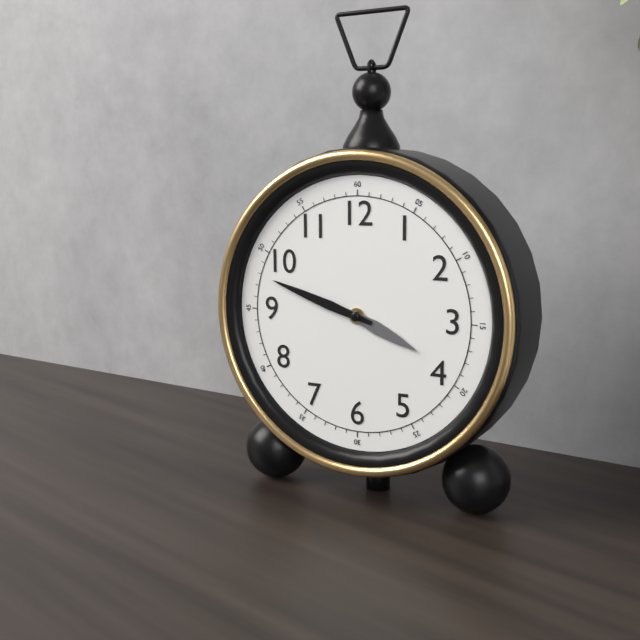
3h48
